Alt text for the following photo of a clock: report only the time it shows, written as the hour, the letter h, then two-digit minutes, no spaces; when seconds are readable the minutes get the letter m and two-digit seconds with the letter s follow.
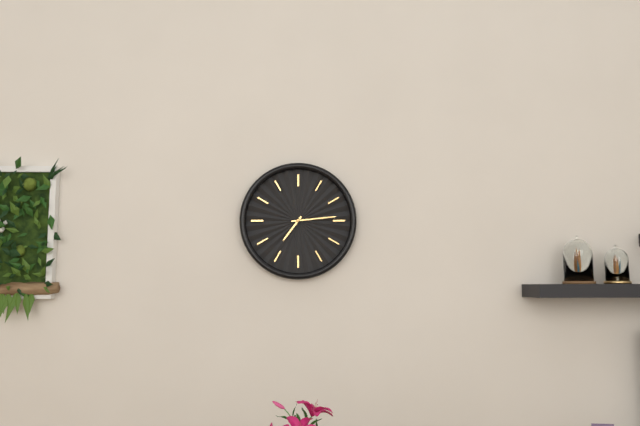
7h14
